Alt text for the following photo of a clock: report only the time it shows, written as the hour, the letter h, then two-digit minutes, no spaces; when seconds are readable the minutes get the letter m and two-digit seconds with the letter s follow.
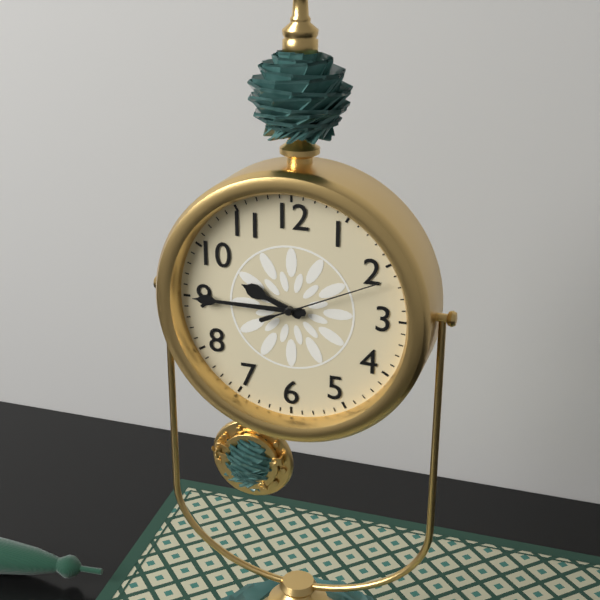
9h45m11s
